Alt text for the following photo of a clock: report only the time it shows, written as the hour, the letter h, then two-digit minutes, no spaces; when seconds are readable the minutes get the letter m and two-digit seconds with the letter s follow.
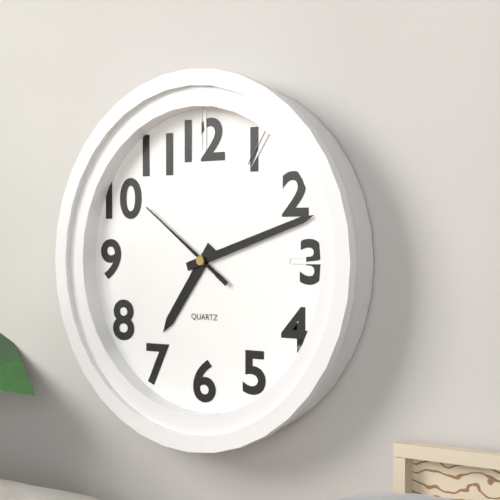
7h12m51s
